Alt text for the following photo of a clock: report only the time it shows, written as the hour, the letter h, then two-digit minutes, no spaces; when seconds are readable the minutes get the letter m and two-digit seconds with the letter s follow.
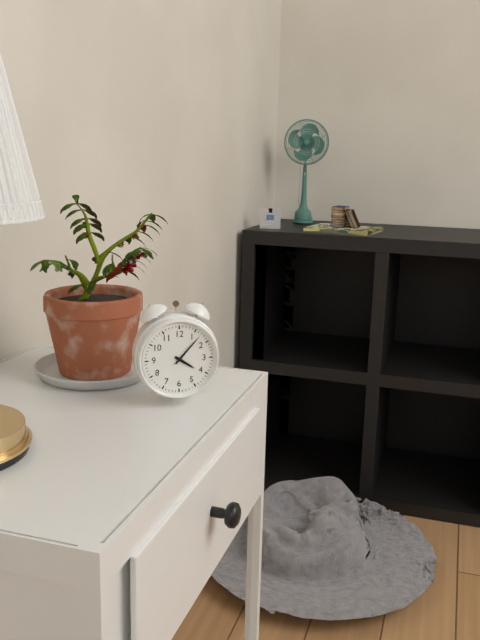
4h07
